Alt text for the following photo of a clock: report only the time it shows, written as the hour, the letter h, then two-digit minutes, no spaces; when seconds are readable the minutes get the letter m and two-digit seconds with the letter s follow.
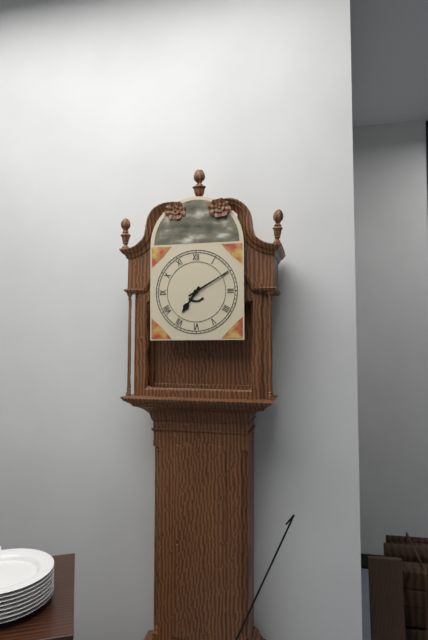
7h10
